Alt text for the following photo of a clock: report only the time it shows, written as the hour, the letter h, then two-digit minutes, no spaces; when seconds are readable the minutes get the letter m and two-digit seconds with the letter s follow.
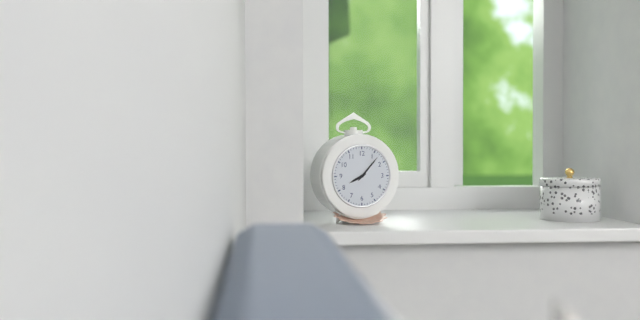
8h07
